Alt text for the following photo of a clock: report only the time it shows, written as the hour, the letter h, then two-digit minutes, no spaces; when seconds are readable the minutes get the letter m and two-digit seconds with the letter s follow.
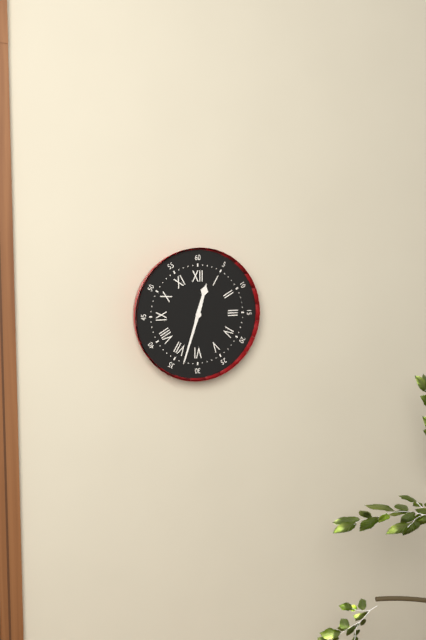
12h33
